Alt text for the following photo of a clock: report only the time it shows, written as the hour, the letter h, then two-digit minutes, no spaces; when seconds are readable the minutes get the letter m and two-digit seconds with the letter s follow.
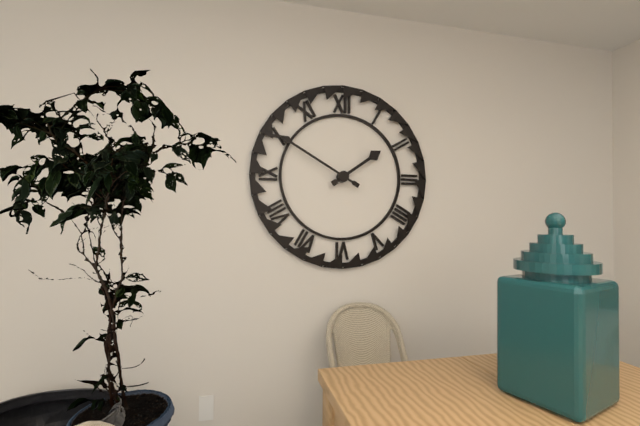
1h50
